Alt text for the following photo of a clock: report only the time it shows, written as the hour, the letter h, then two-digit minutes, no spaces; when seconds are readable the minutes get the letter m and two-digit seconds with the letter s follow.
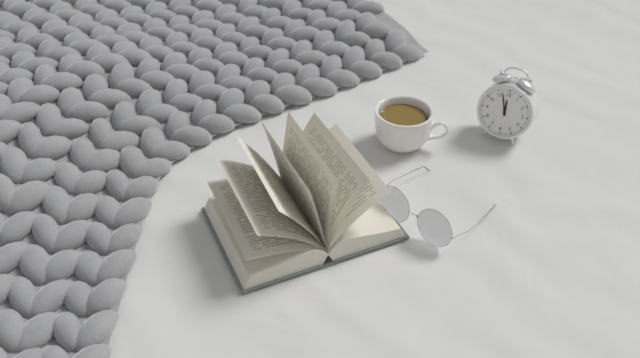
11h57
